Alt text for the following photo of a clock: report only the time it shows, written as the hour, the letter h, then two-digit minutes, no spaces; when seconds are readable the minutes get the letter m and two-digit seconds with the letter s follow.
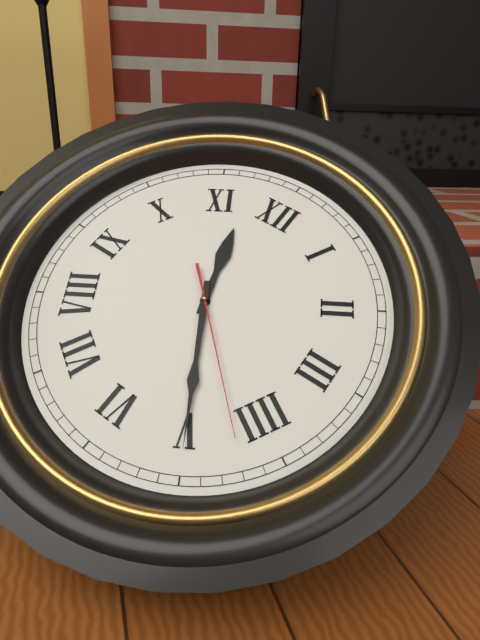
11h25m22s
